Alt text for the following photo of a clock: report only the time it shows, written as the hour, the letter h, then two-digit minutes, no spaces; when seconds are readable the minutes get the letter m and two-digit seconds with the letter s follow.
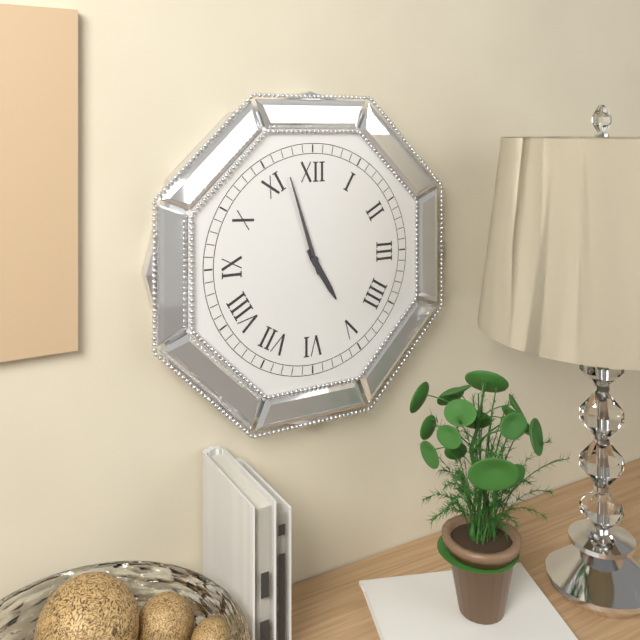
4h57
